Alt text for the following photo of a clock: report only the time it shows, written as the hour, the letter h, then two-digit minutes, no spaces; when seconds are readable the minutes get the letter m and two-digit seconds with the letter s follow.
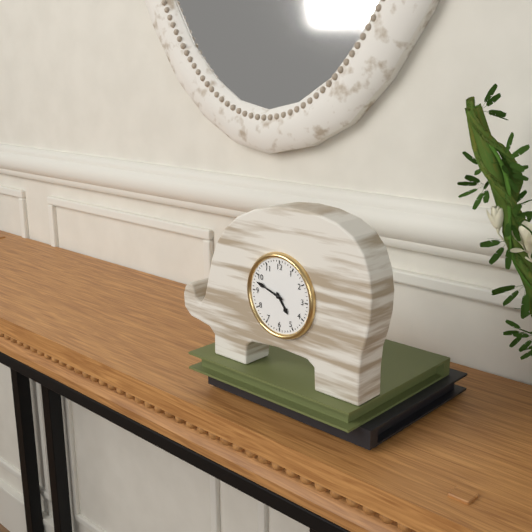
4h48
